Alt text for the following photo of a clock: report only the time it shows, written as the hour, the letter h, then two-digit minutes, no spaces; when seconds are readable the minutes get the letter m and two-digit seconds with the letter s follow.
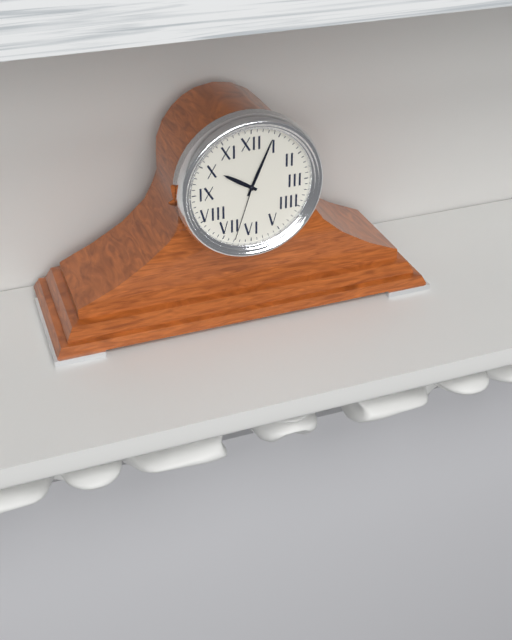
10h04m33s
